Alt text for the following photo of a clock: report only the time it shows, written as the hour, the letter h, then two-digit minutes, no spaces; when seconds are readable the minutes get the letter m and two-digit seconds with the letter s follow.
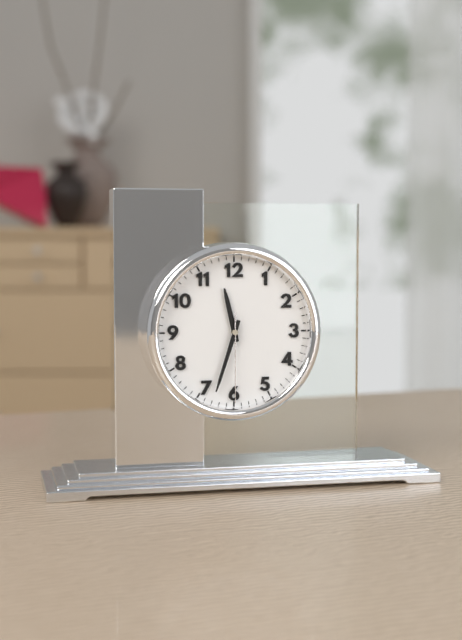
11h33m30s
